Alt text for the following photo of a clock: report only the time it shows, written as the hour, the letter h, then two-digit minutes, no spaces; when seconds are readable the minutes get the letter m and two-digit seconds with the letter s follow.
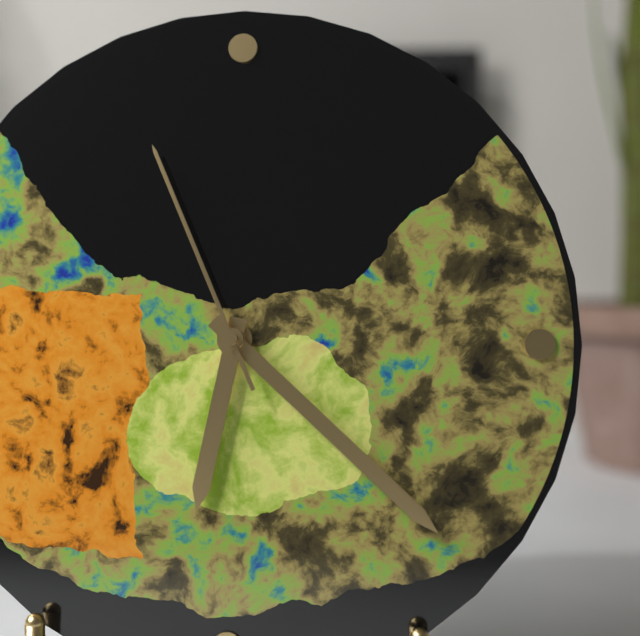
6h22m56s
